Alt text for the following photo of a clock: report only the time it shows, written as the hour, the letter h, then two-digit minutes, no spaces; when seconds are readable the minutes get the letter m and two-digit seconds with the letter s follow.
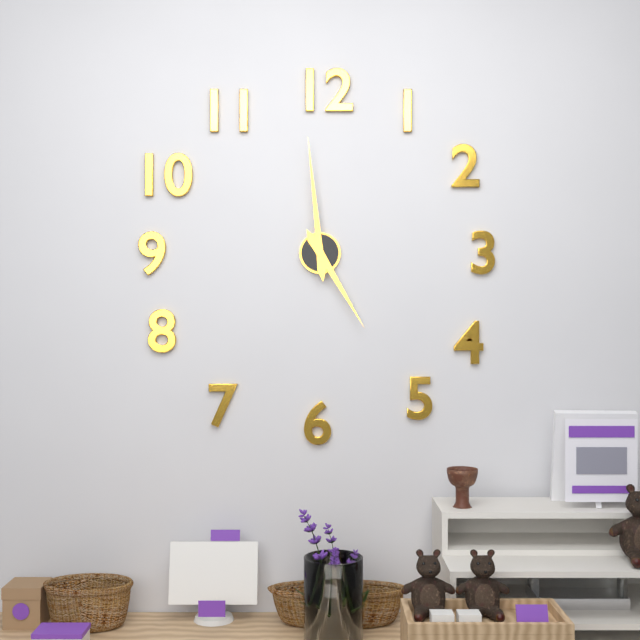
4h59
